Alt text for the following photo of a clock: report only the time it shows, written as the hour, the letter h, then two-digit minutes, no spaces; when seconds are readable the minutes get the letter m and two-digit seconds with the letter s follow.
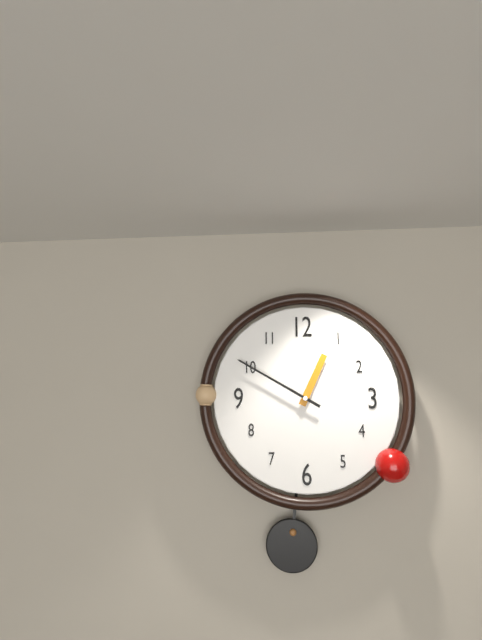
12h50
